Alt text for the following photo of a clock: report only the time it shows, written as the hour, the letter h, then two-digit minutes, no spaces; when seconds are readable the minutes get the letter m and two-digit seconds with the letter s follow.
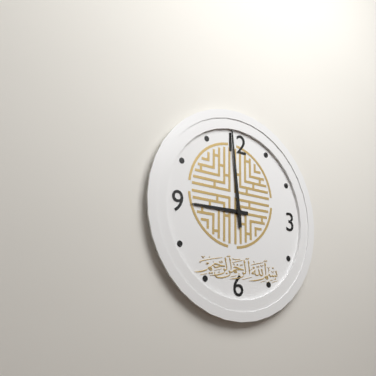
8h59
